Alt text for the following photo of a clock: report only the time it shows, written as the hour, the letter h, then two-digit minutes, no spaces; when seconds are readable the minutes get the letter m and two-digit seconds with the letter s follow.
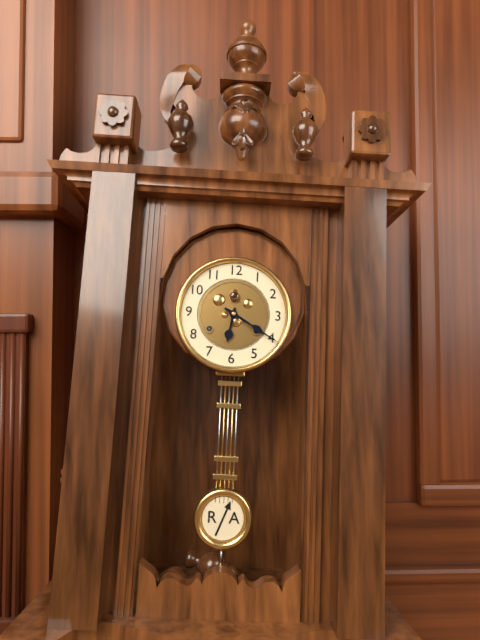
6h20
